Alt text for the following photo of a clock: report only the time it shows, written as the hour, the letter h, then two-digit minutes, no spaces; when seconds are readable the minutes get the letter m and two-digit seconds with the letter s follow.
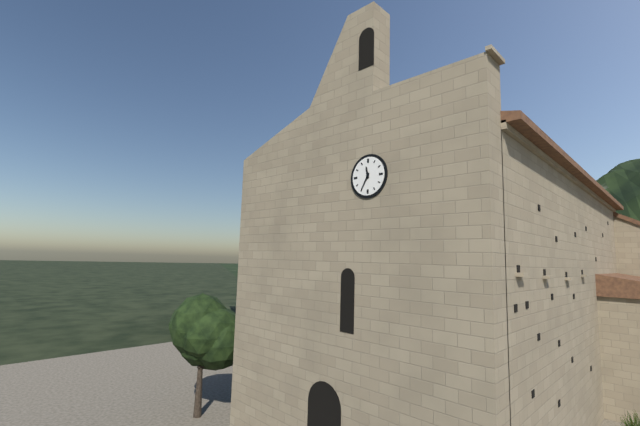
11h35
